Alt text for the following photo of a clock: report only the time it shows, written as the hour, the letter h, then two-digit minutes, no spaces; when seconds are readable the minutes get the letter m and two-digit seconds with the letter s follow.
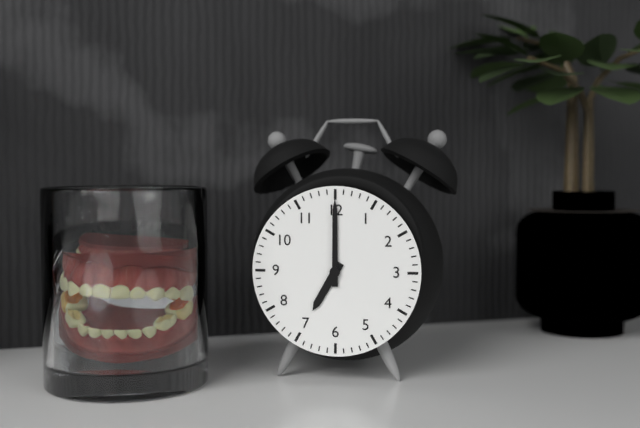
7h00
